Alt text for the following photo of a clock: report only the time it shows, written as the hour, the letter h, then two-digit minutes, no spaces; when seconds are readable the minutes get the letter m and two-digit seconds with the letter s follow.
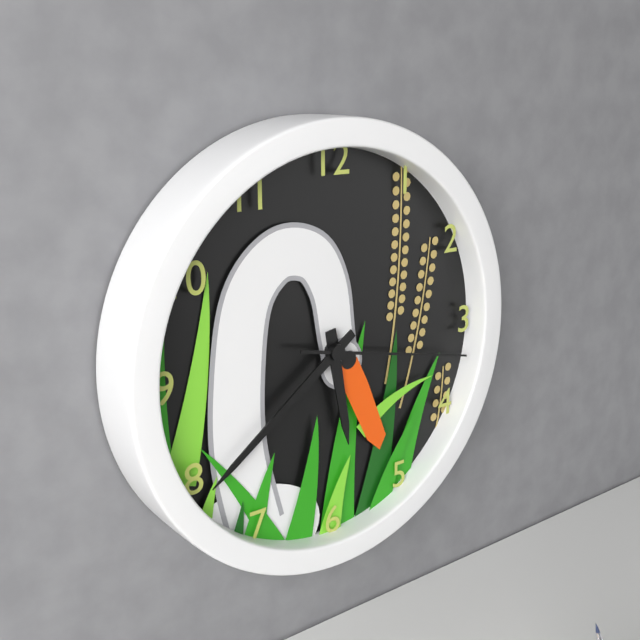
5h39m17s
